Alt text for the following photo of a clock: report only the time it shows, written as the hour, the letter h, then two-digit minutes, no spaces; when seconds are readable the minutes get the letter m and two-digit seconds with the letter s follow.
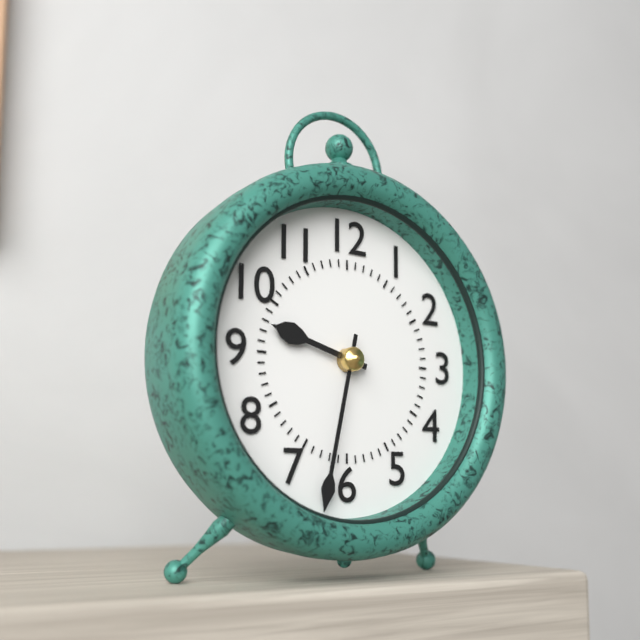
9h32
